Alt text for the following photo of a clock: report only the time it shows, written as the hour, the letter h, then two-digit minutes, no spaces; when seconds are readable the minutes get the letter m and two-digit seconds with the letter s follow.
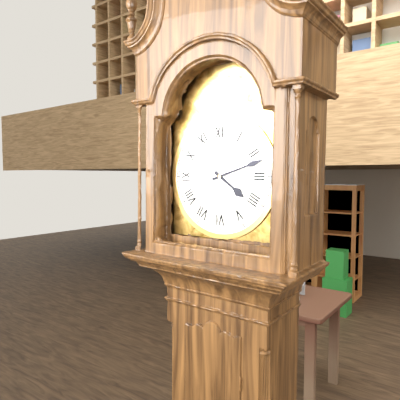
4h12
